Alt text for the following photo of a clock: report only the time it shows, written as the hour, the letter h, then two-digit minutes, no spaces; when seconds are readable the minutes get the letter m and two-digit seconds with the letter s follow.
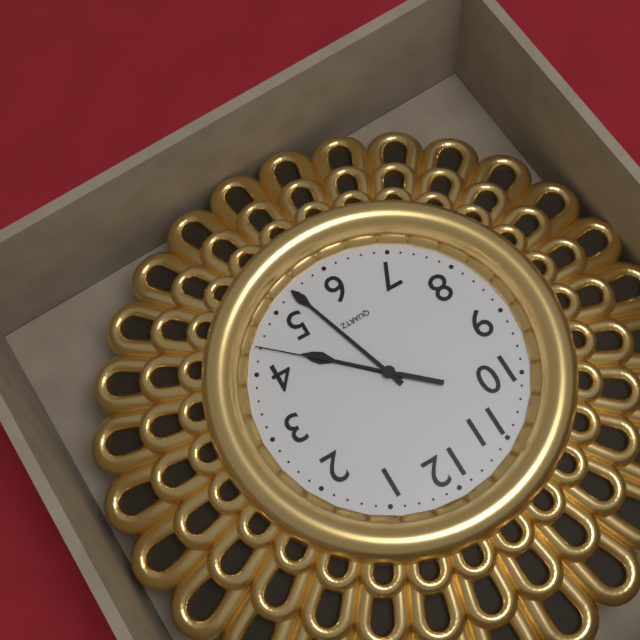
4h27m22s
